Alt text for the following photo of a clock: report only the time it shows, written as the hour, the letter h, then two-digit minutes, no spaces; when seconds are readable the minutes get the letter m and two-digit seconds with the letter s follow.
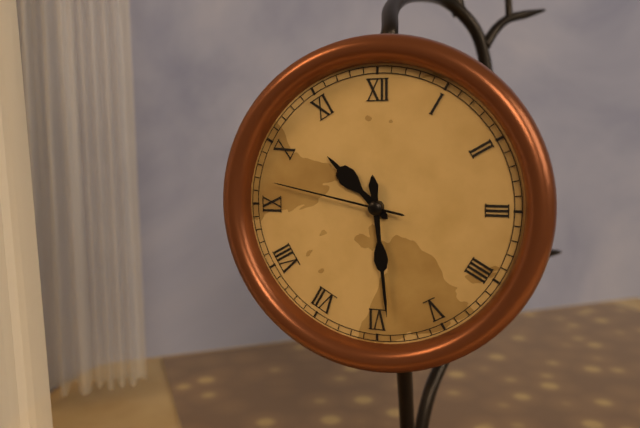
10h29m47s
